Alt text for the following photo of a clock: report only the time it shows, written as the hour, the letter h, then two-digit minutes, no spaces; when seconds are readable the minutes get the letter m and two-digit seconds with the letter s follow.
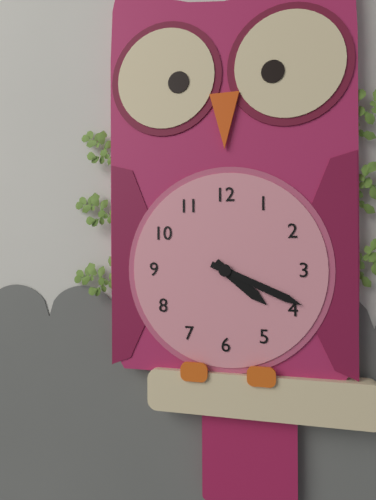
4h19
